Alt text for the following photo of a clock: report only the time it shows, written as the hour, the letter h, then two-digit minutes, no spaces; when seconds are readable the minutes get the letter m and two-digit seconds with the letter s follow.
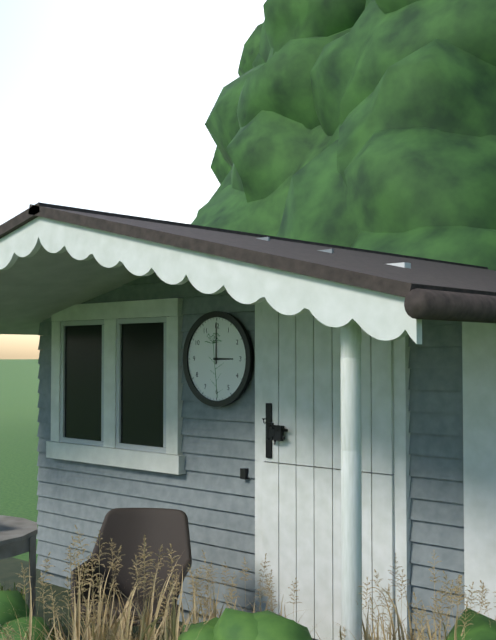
3h00
